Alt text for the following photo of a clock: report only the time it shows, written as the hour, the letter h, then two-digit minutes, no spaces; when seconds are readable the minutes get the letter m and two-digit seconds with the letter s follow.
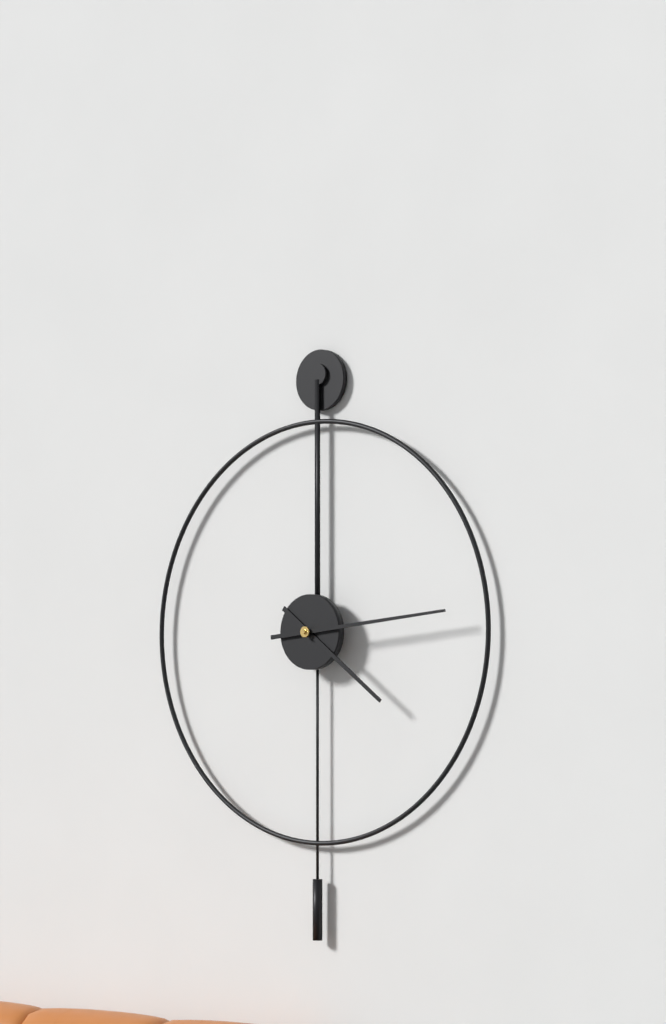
4h14
